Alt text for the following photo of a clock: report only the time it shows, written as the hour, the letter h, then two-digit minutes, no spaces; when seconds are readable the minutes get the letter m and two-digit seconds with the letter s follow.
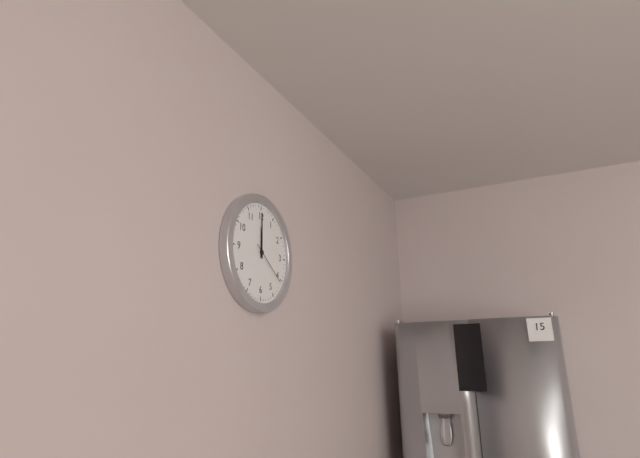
12h00
